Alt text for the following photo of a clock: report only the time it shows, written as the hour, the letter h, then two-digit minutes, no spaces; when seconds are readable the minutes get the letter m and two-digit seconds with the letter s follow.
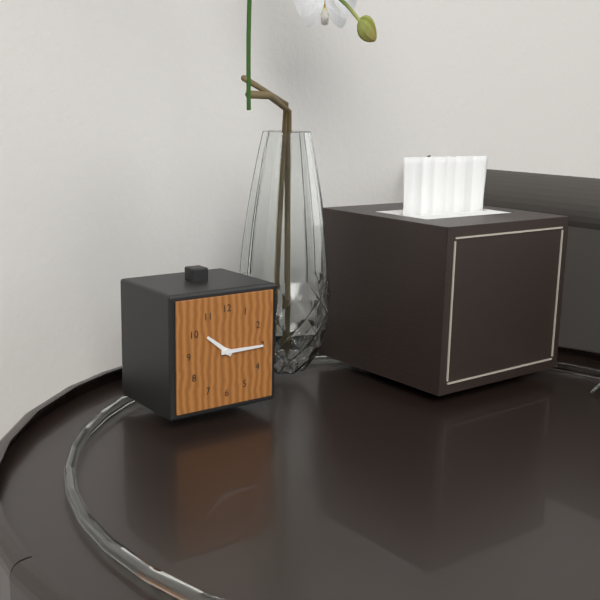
10h15
